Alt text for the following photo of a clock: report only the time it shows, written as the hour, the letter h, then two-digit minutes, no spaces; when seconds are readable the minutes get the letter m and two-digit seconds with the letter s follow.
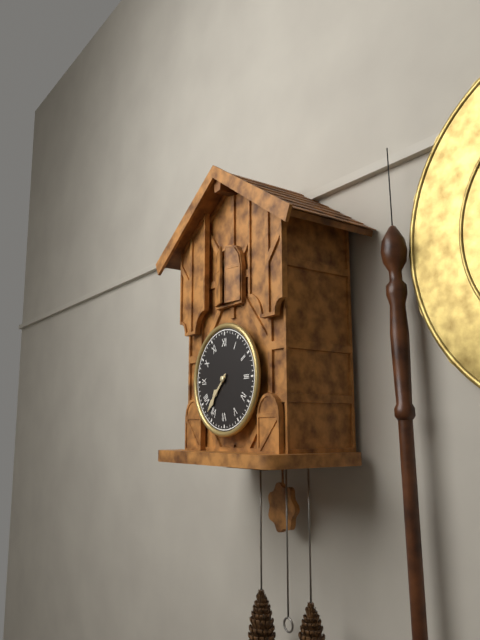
7h37
